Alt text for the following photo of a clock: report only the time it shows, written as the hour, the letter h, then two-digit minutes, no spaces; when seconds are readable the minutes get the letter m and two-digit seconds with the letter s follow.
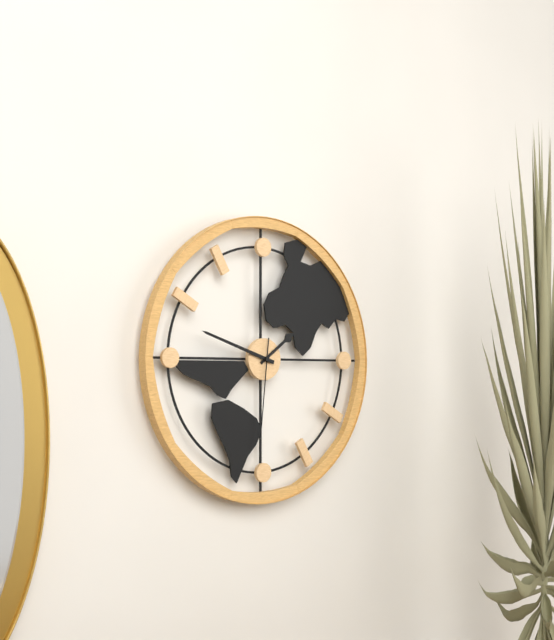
1h48m31s
